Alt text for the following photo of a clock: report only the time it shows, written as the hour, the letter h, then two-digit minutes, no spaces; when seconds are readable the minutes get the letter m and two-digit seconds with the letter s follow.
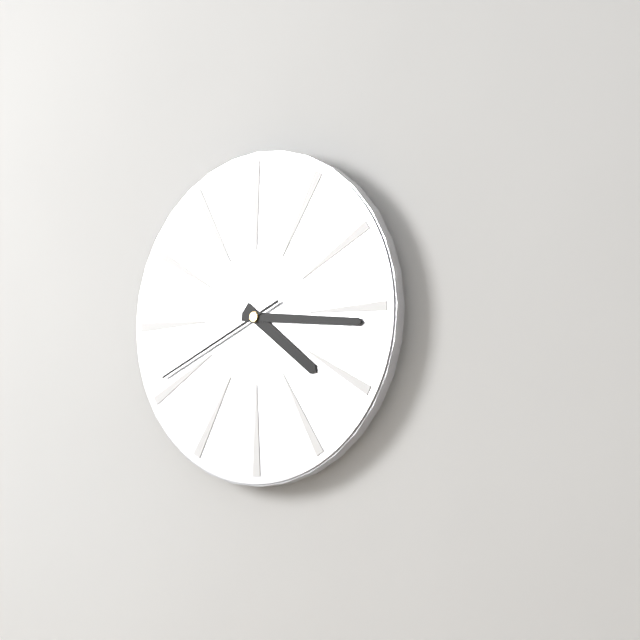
4h16m41s
